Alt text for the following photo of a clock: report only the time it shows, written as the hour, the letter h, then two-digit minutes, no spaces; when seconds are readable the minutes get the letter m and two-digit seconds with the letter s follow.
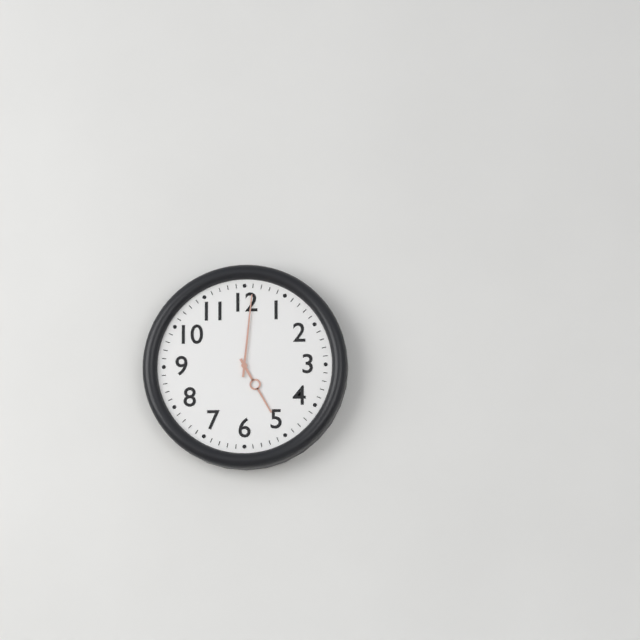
5h01
